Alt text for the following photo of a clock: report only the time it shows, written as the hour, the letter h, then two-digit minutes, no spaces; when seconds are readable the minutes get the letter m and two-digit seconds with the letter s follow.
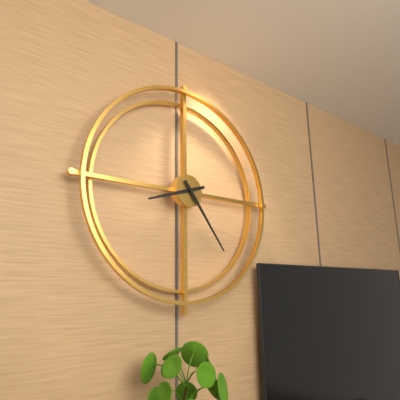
8h24
